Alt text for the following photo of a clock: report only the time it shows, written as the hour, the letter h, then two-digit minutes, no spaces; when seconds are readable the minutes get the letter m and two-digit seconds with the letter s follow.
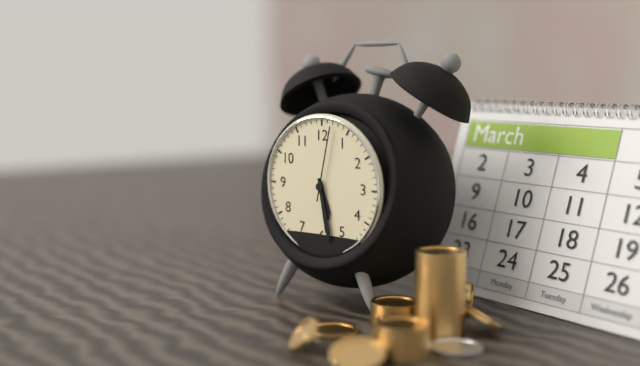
5h28m02s
